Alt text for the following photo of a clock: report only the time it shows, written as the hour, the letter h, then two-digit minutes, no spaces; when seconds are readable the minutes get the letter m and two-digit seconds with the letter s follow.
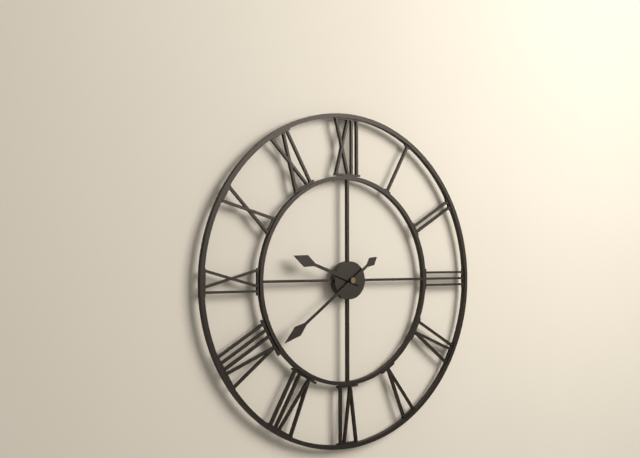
9h39
